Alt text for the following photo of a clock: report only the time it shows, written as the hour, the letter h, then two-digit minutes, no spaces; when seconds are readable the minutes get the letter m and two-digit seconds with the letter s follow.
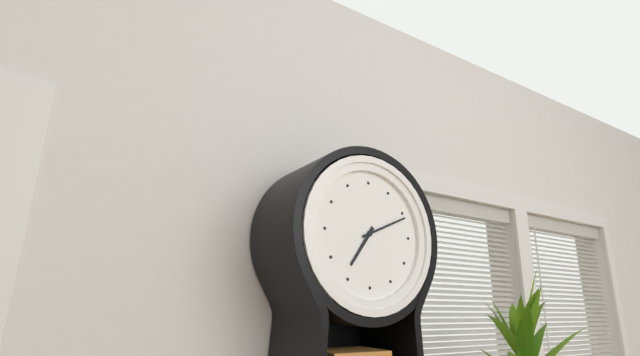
7h11
